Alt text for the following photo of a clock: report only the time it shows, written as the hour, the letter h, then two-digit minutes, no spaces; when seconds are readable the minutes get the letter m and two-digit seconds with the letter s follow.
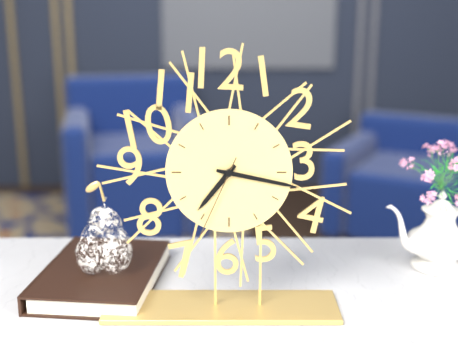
7h17m34s
